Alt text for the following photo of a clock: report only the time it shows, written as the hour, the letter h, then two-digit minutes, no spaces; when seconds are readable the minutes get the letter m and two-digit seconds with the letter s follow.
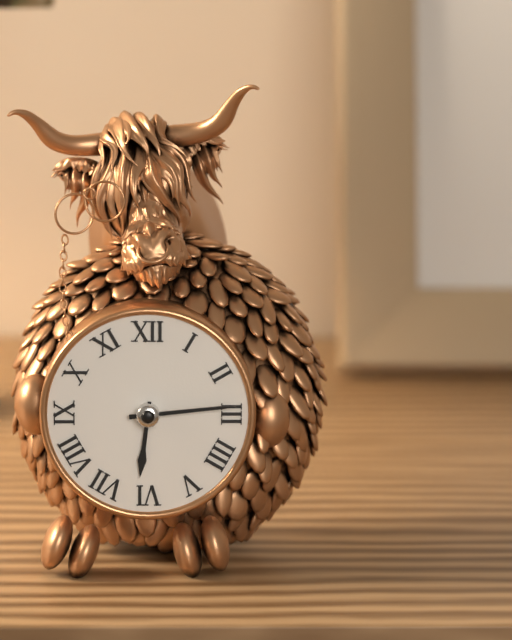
6h14
